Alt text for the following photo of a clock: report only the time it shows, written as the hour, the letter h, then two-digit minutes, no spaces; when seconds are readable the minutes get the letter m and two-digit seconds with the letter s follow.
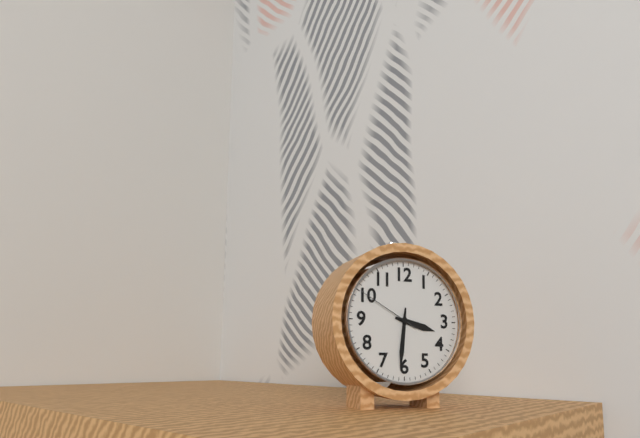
3h31m50s
